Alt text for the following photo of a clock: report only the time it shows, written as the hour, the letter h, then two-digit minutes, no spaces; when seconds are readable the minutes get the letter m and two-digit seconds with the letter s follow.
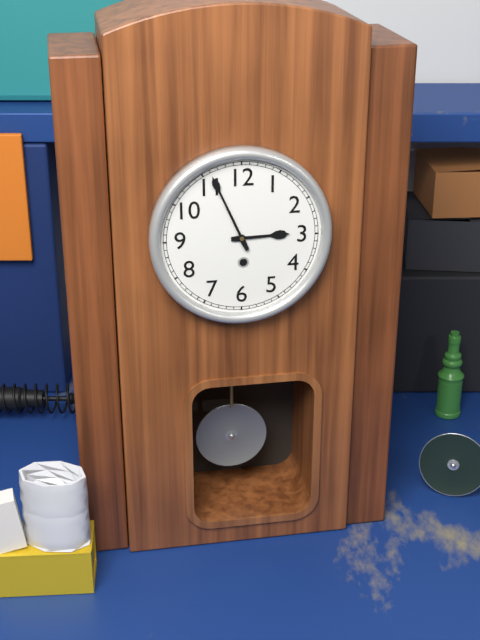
2h56
